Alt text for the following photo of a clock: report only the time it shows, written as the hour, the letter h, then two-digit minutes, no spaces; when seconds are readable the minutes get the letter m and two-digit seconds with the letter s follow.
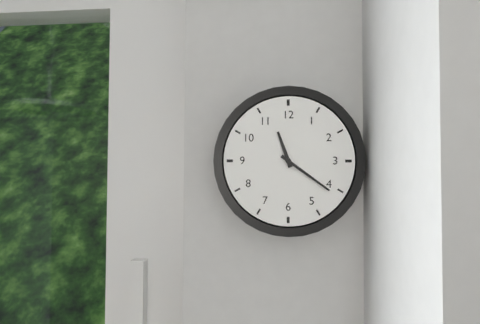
11h21
